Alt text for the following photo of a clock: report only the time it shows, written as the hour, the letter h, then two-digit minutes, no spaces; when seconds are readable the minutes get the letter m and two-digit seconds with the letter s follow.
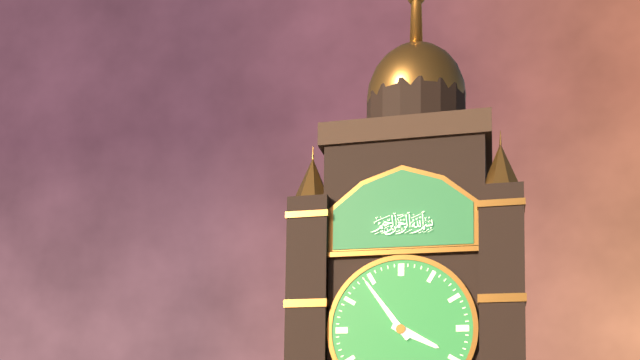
3h54
